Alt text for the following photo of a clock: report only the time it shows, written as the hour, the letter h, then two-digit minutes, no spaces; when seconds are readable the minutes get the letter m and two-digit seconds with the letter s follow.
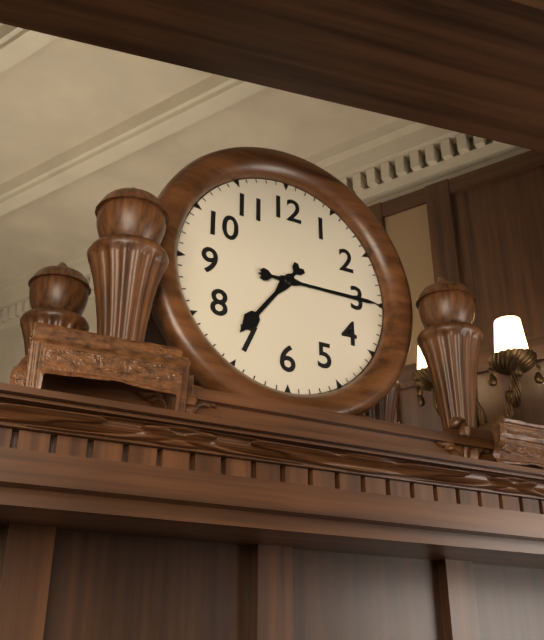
7h15
